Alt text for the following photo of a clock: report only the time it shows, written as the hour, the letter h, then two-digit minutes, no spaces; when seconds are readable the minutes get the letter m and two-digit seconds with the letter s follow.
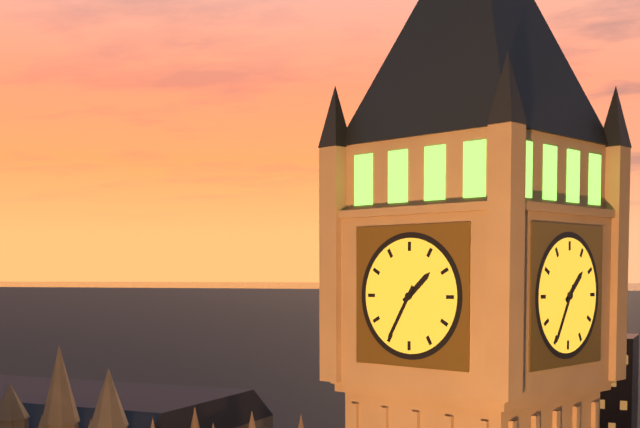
1h35
